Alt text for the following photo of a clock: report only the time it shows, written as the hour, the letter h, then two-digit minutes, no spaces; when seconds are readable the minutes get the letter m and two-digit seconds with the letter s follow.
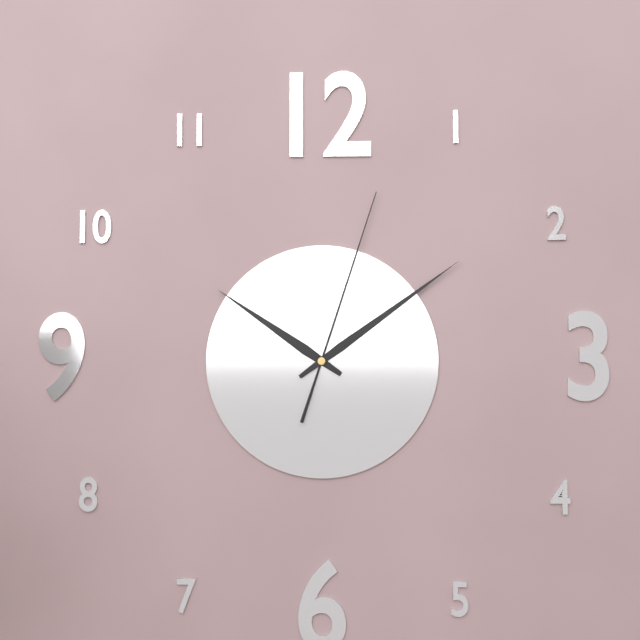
10h09m03s
